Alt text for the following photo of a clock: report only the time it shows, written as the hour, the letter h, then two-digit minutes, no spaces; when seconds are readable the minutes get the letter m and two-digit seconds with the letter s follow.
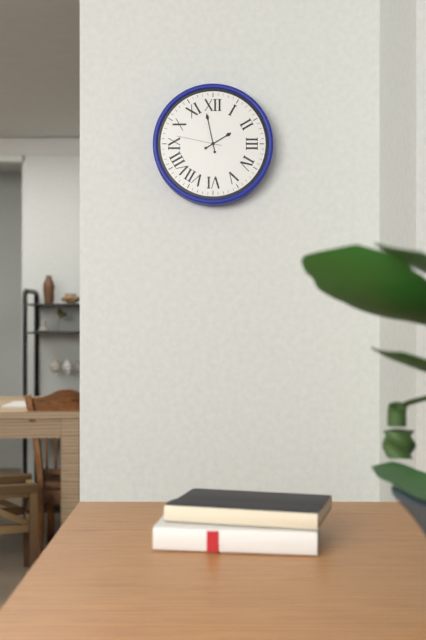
1h58
